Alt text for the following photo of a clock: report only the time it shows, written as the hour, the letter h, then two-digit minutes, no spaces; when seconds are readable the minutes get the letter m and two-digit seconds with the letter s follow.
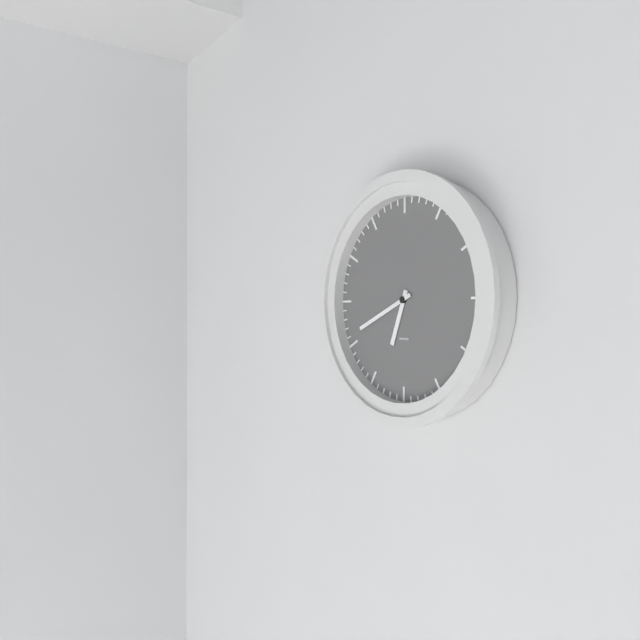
6h41
